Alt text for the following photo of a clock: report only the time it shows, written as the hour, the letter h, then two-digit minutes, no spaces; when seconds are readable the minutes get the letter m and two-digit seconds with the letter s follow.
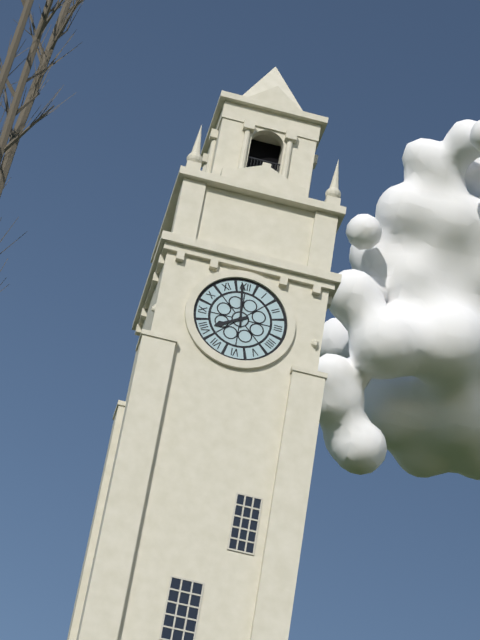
7h59
